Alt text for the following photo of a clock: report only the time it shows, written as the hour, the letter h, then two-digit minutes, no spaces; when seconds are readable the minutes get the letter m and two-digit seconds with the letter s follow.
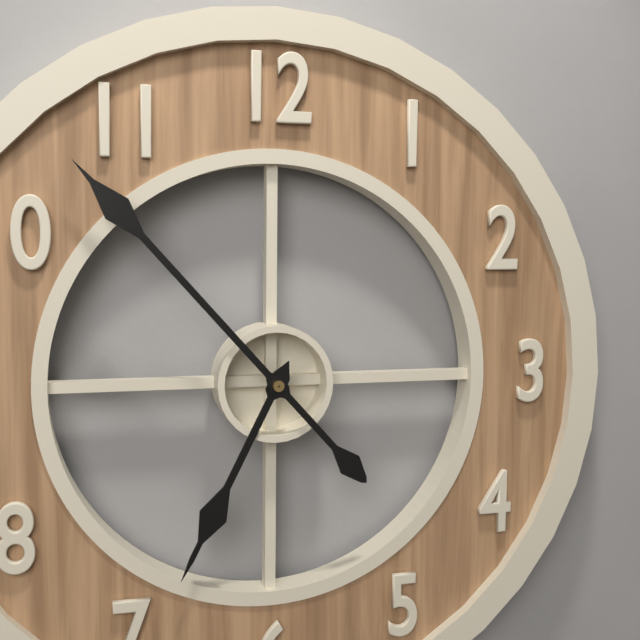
6h53
